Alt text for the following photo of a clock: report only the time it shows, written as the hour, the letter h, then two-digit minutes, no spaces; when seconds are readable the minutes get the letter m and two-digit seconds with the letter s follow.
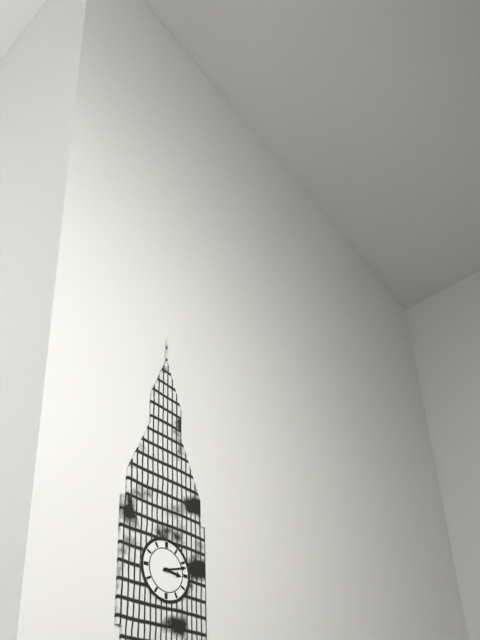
3h12
